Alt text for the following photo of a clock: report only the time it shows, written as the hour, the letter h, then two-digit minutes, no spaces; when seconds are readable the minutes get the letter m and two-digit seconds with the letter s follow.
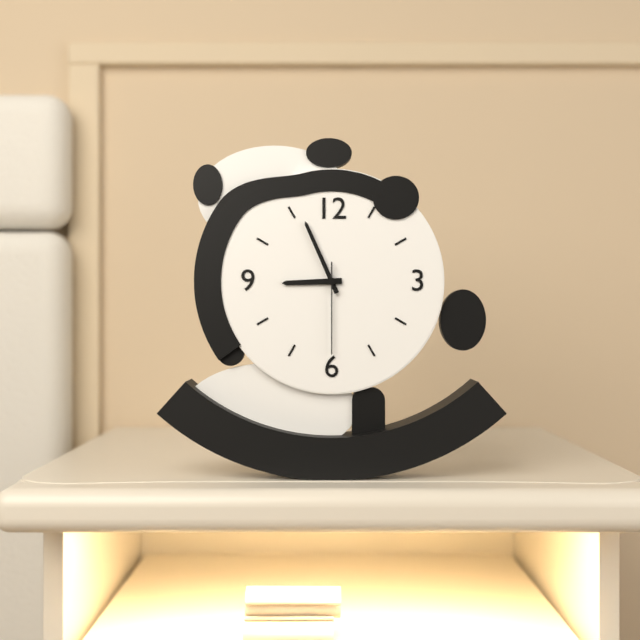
8h56m30s
